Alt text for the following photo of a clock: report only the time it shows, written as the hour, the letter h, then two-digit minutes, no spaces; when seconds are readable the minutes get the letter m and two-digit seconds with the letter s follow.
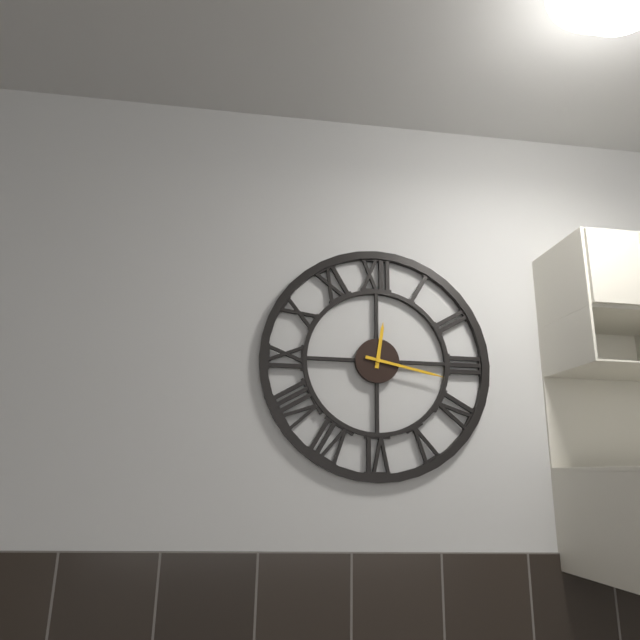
12h17
